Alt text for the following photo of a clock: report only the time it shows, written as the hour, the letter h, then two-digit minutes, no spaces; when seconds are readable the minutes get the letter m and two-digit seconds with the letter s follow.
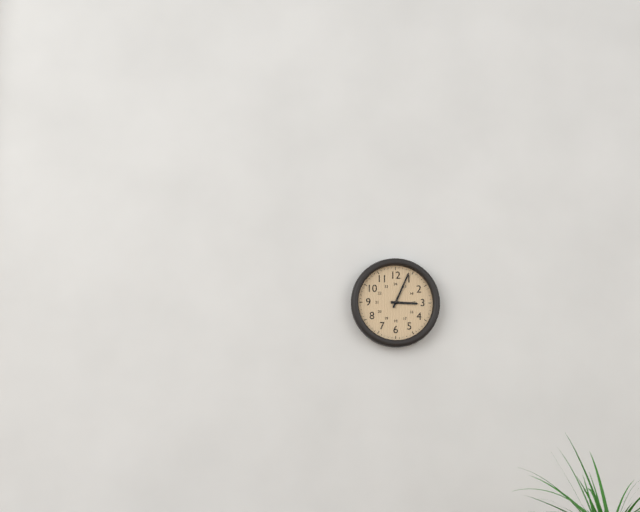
3h04
